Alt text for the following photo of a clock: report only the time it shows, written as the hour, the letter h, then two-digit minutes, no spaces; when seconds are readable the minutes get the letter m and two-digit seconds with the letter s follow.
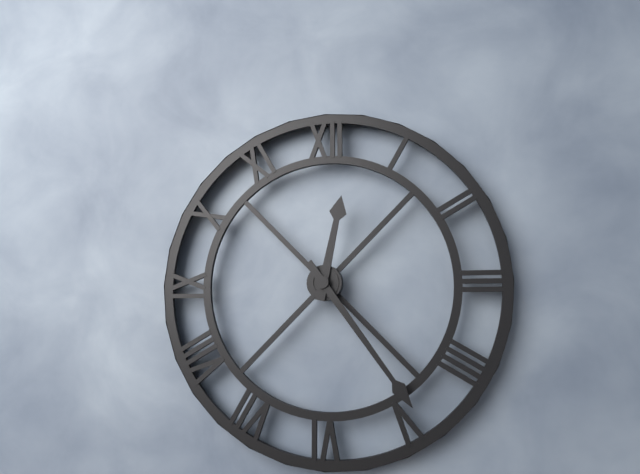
12h24
